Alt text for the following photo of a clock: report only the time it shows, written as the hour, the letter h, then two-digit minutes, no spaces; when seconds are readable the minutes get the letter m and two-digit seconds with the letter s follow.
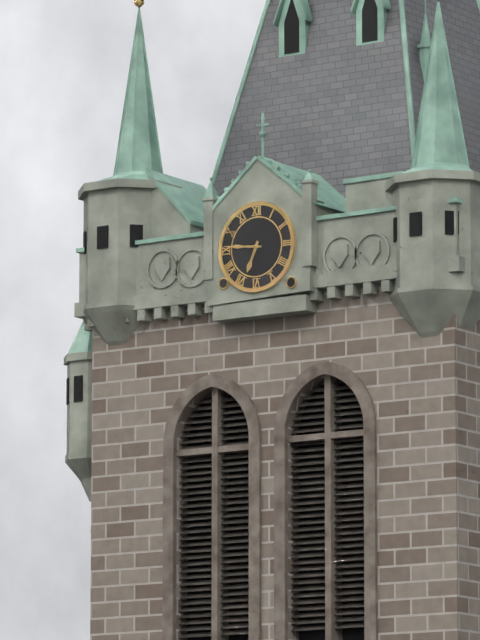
6h46
